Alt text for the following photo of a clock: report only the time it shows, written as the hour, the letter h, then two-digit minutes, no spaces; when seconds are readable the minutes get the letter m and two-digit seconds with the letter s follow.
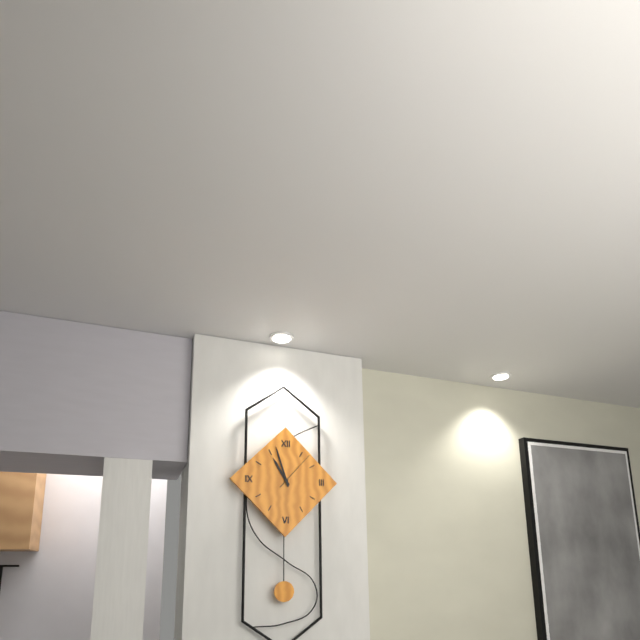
10h57
